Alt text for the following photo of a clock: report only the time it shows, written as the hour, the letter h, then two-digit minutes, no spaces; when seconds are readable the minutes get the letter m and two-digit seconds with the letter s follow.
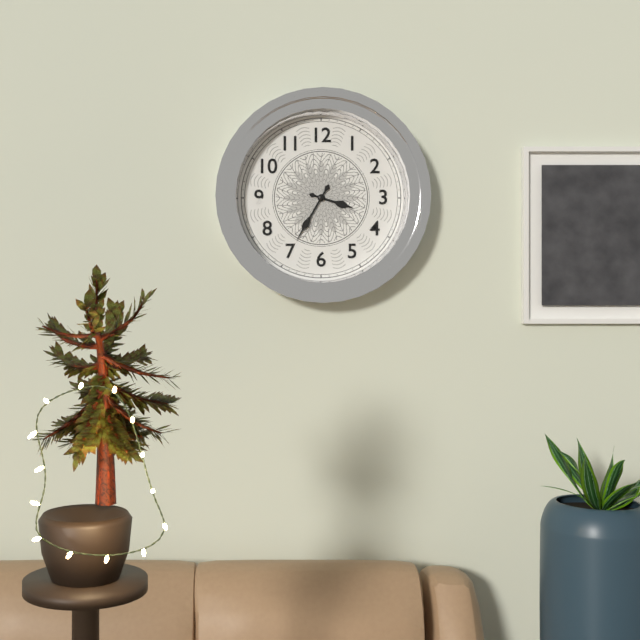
3h35
